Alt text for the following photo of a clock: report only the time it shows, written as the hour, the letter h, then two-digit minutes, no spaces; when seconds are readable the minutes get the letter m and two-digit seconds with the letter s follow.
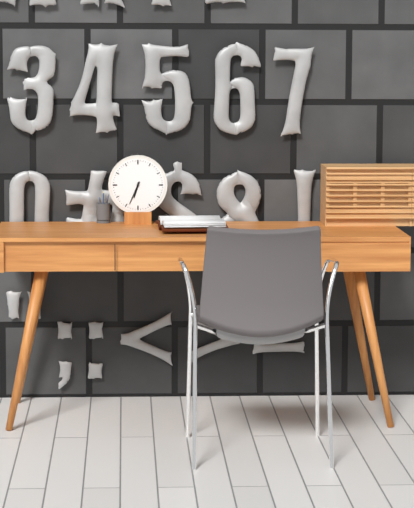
6h34
